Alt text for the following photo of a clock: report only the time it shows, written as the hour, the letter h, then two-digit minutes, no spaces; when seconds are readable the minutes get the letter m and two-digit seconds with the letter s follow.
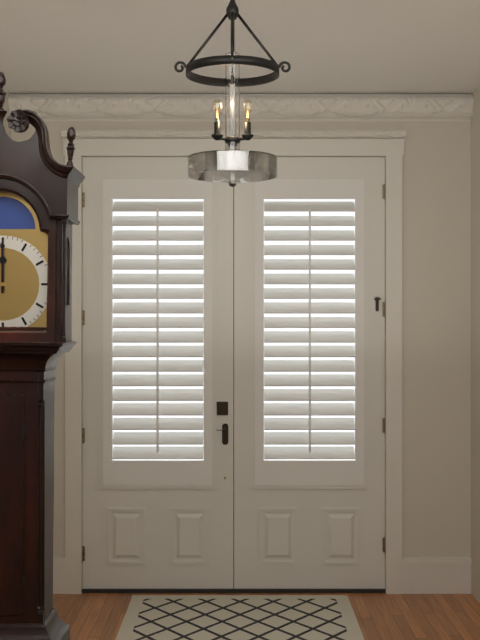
12h00
